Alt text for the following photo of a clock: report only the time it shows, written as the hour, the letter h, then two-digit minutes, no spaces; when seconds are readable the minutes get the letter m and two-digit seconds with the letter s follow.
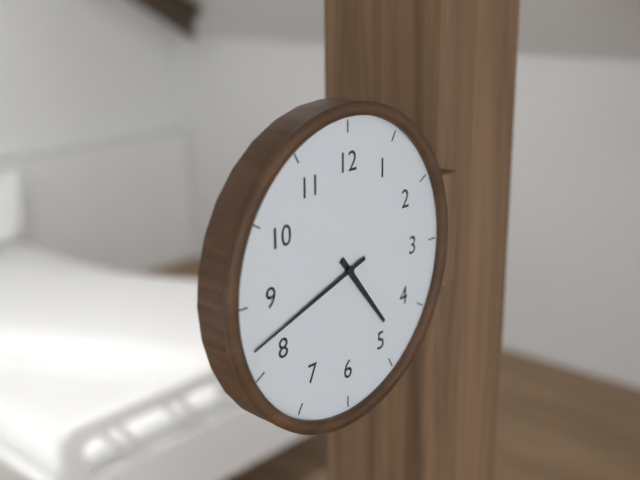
4h42
